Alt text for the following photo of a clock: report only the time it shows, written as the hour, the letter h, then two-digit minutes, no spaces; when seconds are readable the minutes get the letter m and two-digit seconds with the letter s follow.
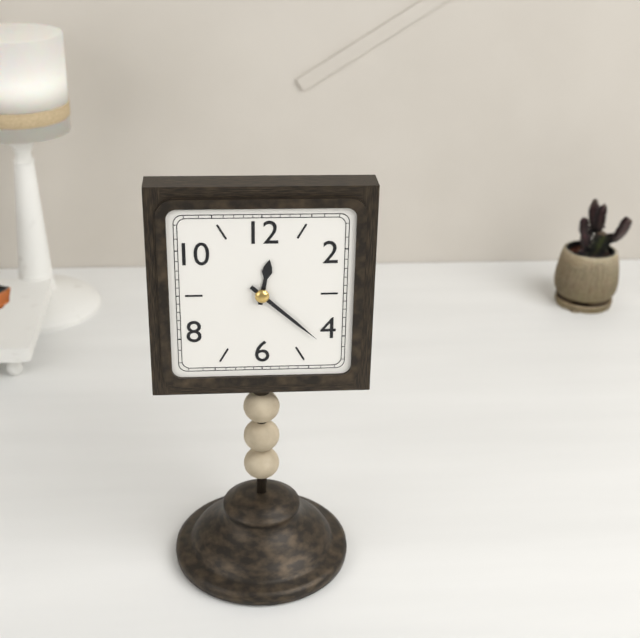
12h22
